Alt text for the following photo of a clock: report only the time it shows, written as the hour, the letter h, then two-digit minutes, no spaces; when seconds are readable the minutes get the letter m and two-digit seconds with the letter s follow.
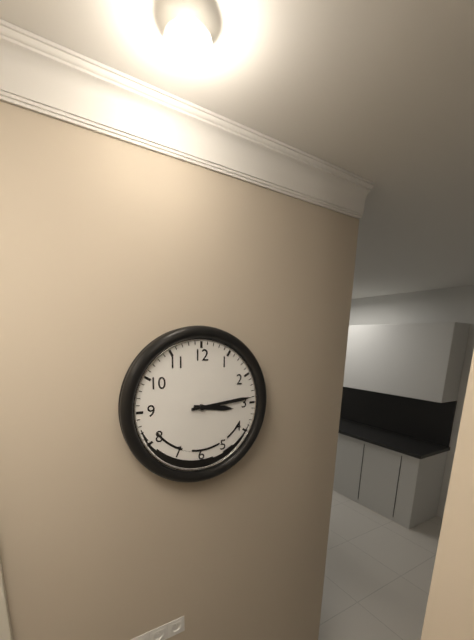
3h14
